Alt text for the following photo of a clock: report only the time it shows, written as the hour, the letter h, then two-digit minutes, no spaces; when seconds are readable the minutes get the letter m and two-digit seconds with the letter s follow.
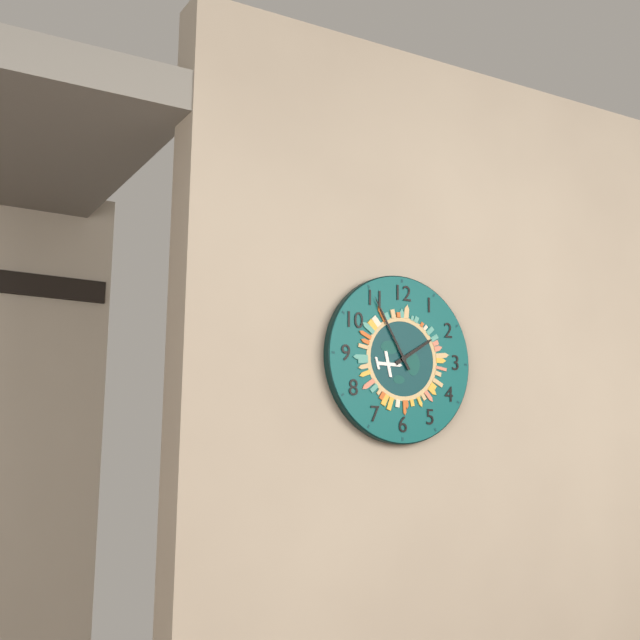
1h55
